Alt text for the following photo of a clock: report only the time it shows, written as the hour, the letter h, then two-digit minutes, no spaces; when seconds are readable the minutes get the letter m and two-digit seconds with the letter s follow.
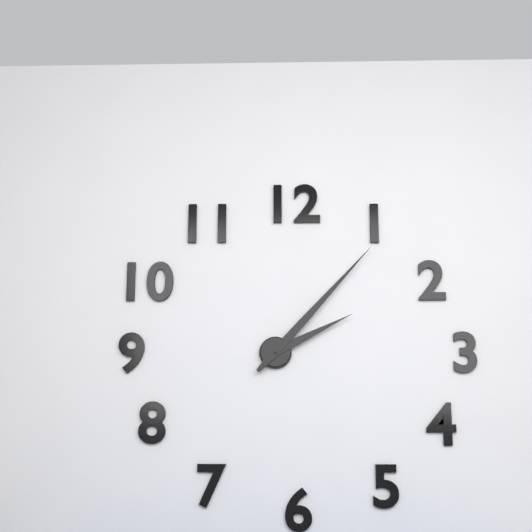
2h07
